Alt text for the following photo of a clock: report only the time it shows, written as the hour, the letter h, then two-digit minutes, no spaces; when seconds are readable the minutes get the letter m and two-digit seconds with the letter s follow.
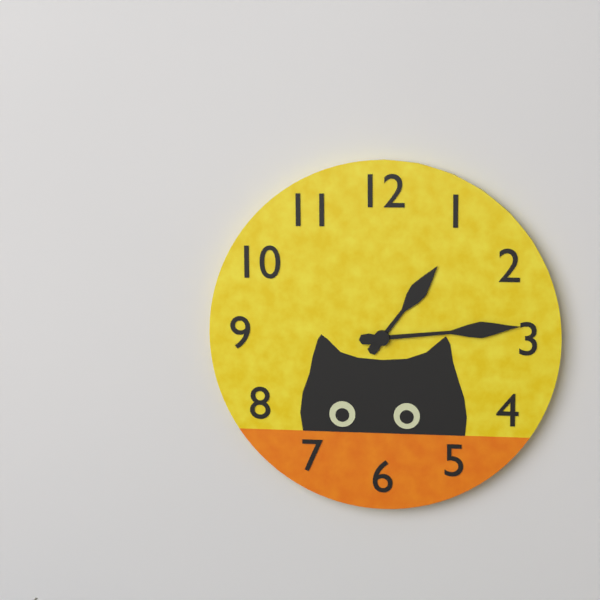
1h14
